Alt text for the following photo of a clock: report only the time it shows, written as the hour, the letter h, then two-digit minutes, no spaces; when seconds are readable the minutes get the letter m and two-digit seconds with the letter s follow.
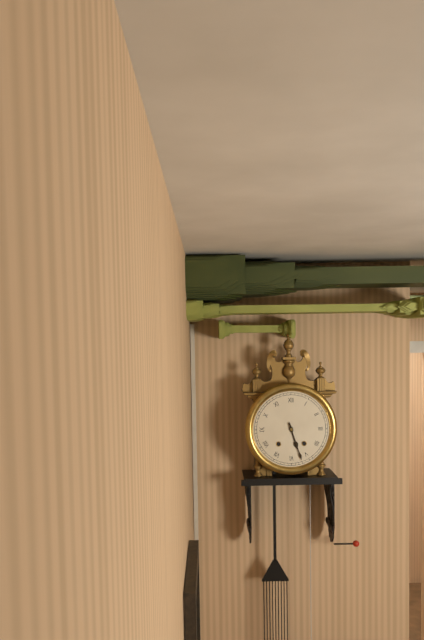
5h27
